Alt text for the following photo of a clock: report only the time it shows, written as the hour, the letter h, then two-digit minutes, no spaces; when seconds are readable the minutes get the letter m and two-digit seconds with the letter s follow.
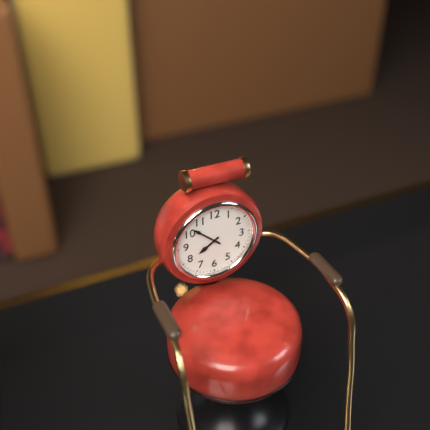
7h52
